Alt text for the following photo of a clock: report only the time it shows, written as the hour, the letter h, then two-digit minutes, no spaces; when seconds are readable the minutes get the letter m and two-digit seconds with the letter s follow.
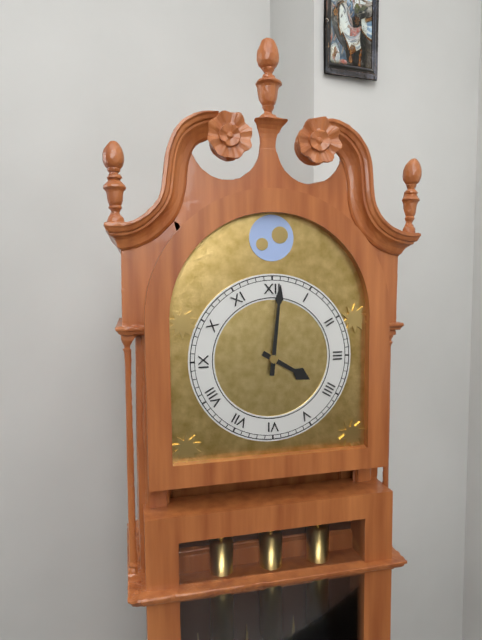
4h01
